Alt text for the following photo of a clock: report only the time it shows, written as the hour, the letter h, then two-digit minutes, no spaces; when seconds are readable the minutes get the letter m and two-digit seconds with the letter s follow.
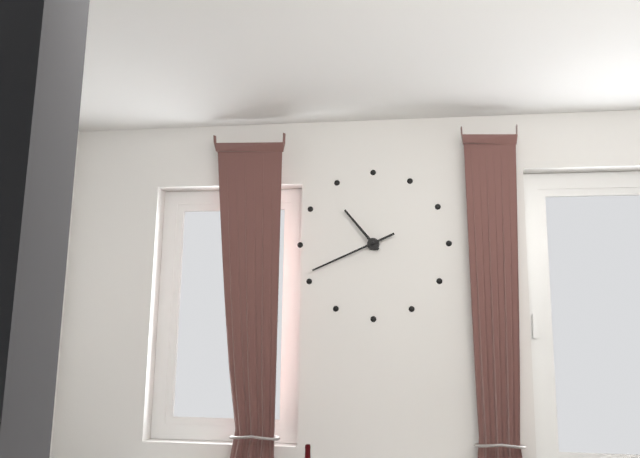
10h41
